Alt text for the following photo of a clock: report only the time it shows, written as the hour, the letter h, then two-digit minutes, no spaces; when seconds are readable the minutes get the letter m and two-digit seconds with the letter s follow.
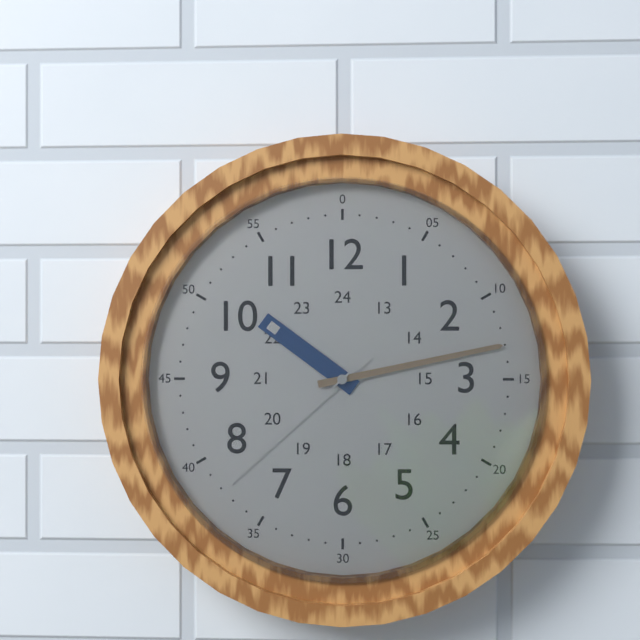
10h13m38s
